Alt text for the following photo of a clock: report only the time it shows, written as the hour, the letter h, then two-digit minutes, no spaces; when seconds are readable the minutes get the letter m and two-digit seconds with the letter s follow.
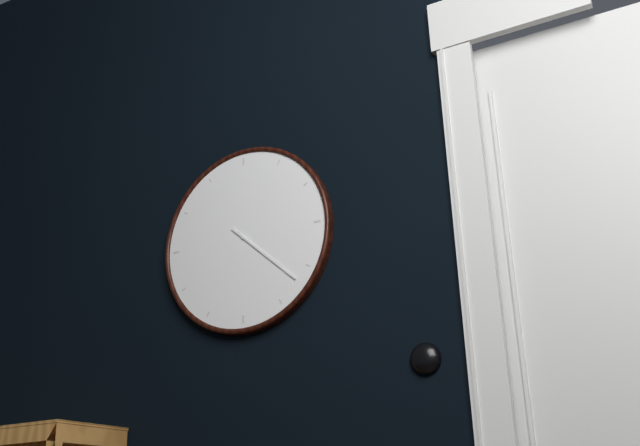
4h22
